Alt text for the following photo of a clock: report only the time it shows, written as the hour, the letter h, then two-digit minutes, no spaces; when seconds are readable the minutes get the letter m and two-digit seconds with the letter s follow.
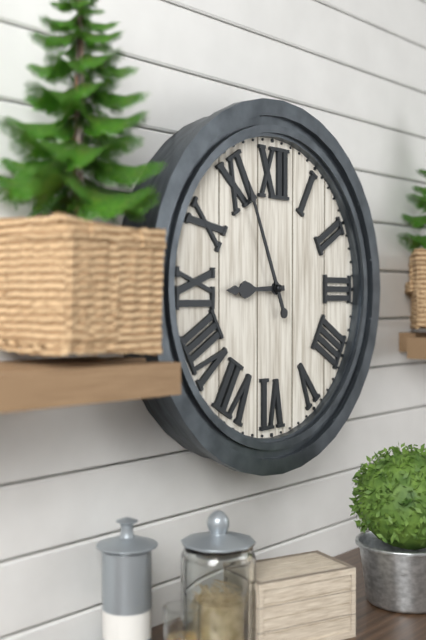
8h56
